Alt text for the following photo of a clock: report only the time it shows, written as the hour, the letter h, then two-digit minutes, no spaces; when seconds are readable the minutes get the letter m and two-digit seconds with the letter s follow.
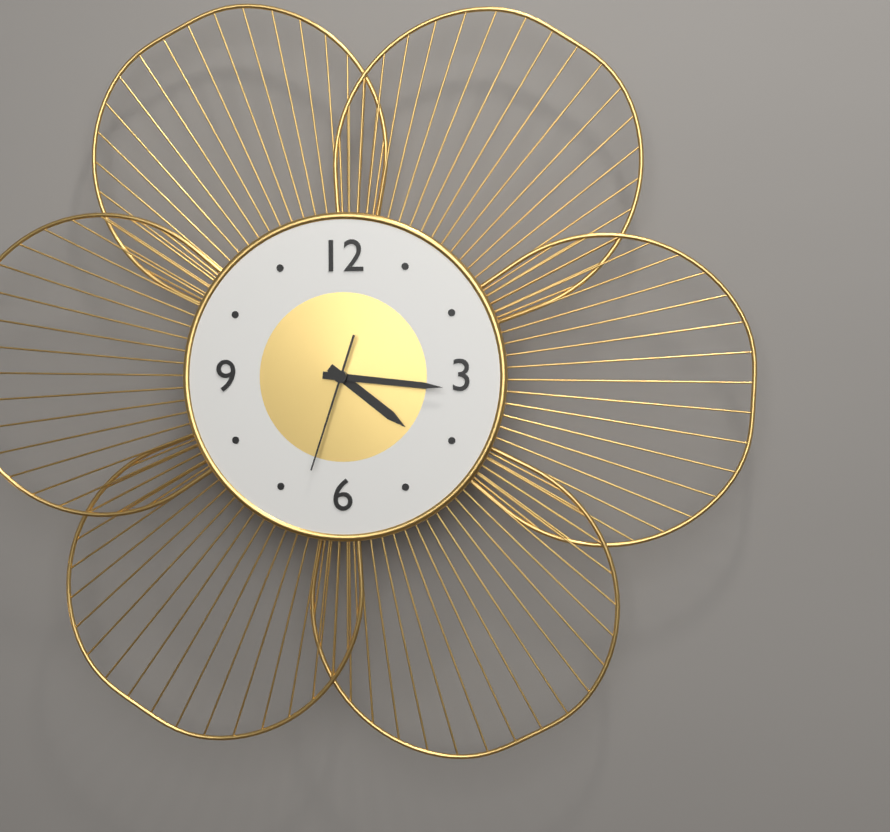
4h16m33s
